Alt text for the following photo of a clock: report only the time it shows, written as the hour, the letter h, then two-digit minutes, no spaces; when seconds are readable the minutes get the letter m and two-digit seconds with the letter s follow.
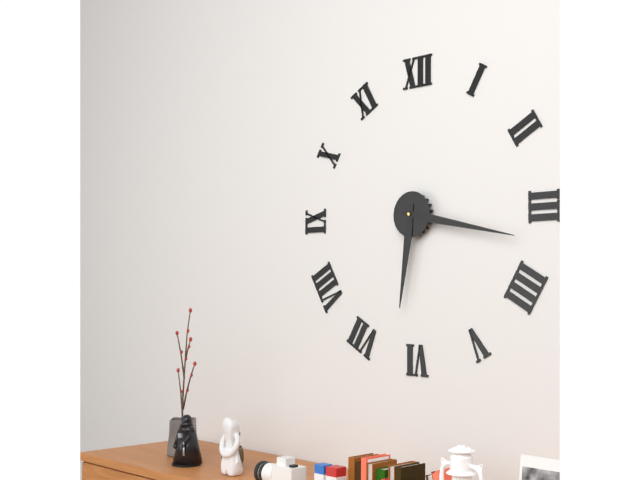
6h17
